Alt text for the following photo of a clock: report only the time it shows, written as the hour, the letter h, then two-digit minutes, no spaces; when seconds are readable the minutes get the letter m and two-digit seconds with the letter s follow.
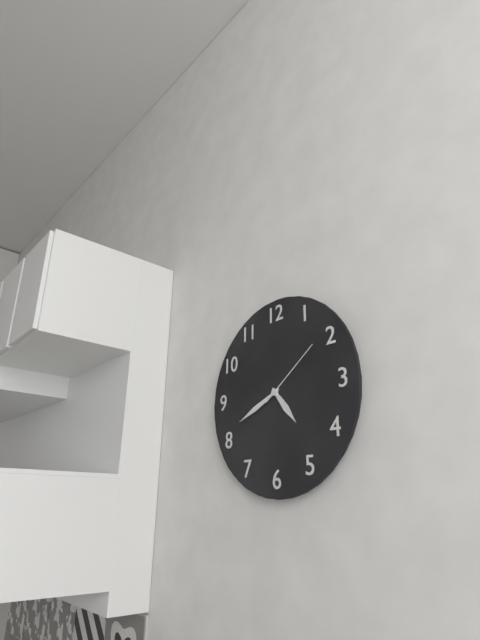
4h41m09s
